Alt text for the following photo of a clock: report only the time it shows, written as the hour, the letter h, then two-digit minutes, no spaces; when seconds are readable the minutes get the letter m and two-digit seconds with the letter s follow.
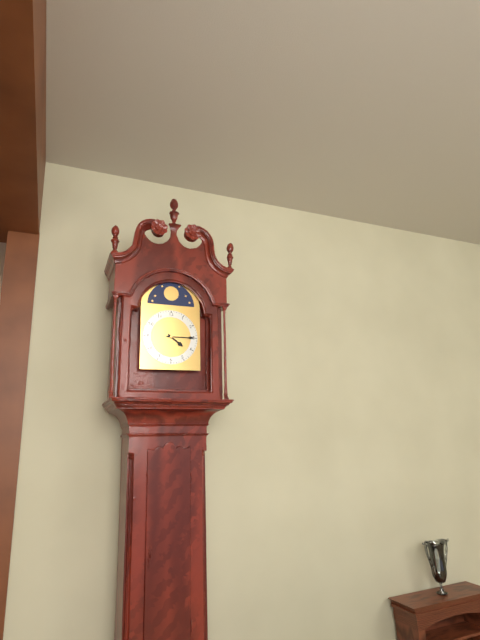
4h15
